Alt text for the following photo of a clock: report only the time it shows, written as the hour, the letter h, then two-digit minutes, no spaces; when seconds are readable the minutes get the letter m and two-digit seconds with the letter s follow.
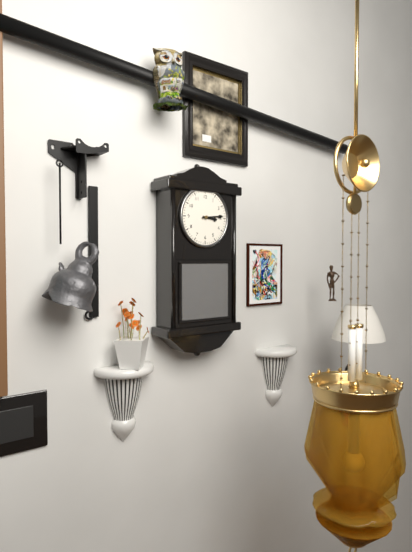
3h14
